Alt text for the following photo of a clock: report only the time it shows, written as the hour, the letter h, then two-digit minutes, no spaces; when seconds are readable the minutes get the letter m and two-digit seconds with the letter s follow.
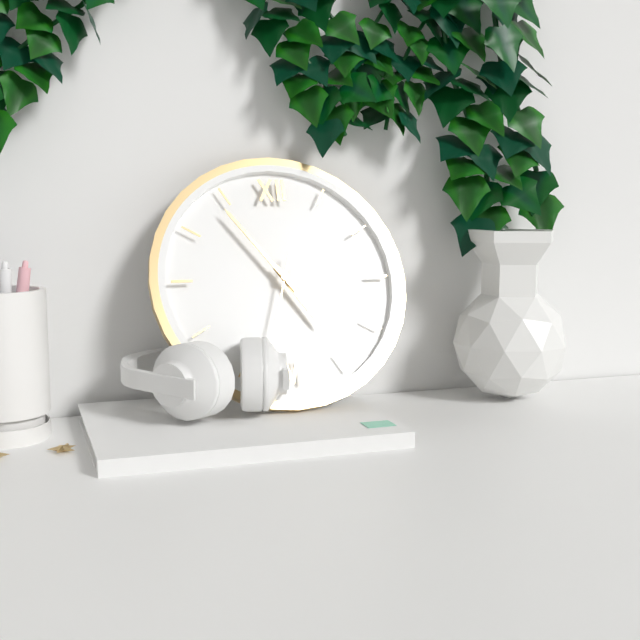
4h54
